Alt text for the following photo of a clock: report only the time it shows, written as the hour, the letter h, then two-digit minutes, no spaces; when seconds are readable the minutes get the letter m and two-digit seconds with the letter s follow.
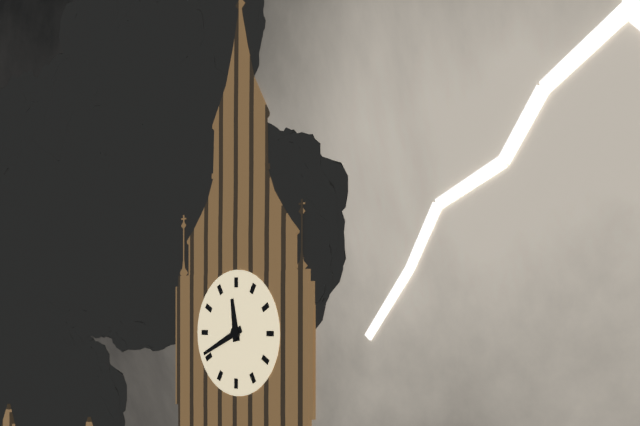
11h41
